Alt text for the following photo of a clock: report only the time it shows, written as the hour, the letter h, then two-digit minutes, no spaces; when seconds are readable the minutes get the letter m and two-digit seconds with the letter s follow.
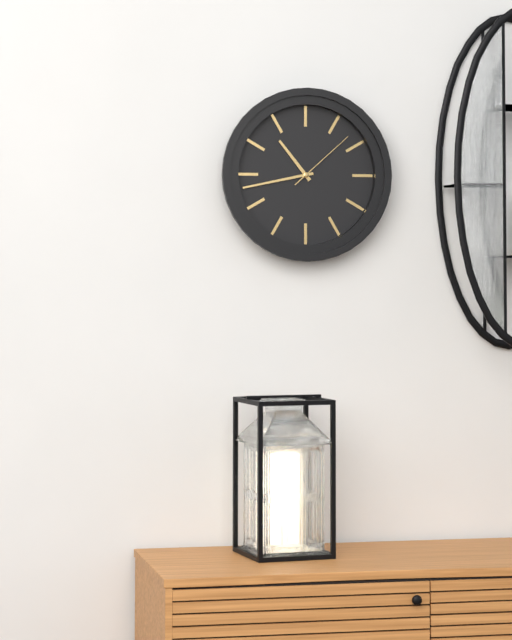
10h43m08s
